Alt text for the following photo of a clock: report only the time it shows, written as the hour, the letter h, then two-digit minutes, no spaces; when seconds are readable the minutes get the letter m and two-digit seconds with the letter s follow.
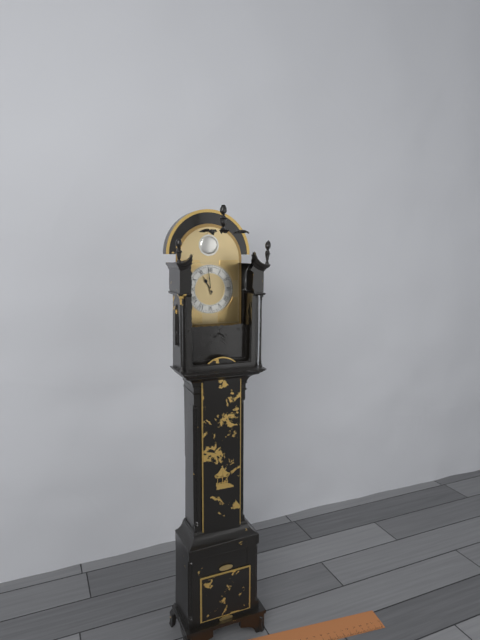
10h59
